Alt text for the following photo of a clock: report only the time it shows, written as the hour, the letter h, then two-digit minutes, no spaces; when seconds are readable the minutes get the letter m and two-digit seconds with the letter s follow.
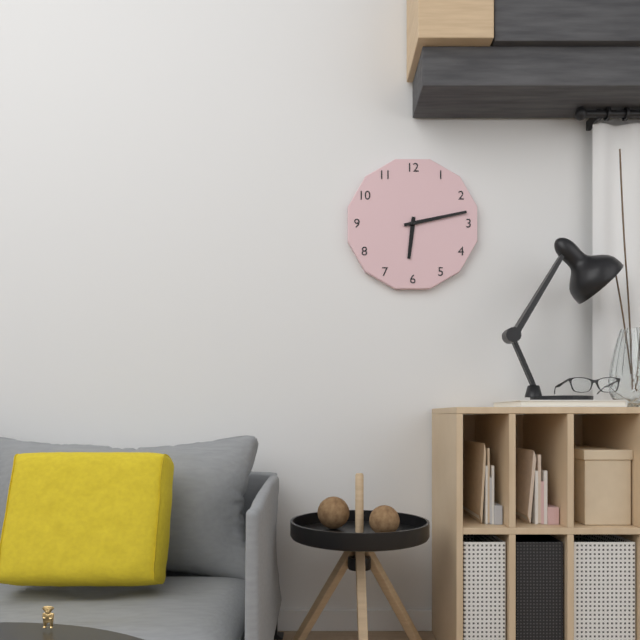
6h13
